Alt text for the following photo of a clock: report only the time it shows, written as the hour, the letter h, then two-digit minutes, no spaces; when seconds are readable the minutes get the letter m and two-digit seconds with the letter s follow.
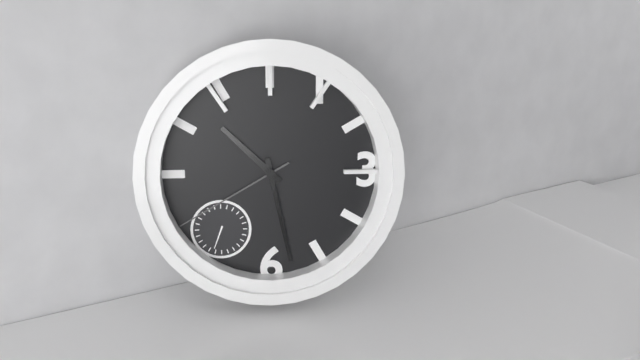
10h28m40s
